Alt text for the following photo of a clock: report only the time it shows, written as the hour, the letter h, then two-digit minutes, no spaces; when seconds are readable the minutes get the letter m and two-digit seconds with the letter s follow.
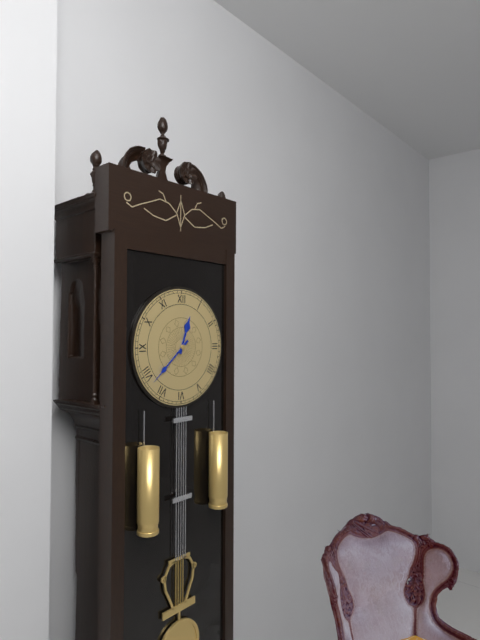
12h38
